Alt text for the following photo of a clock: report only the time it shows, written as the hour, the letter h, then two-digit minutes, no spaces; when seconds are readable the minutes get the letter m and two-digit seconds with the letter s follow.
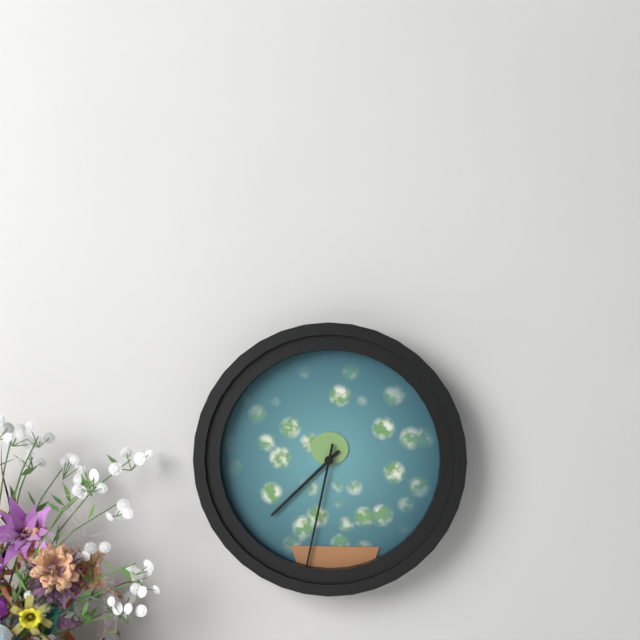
7h32
